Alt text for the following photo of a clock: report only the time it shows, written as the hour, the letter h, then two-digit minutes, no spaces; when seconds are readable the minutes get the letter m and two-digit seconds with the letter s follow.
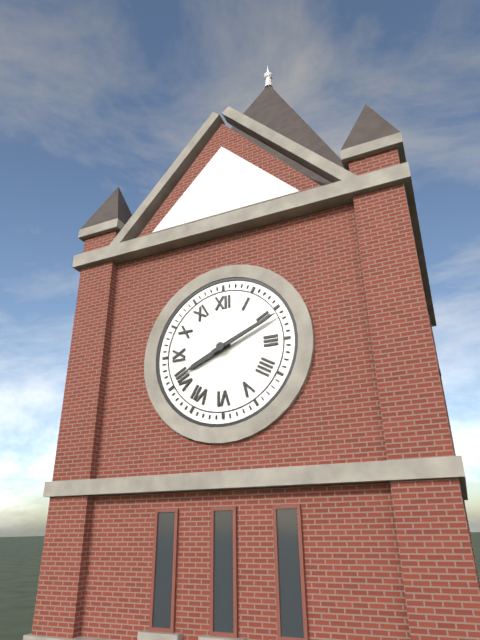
8h11
